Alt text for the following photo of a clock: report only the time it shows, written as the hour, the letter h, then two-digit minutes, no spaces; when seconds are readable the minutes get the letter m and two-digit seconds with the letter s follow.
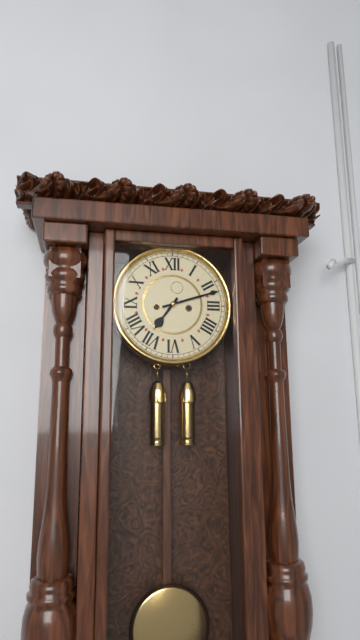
7h12
